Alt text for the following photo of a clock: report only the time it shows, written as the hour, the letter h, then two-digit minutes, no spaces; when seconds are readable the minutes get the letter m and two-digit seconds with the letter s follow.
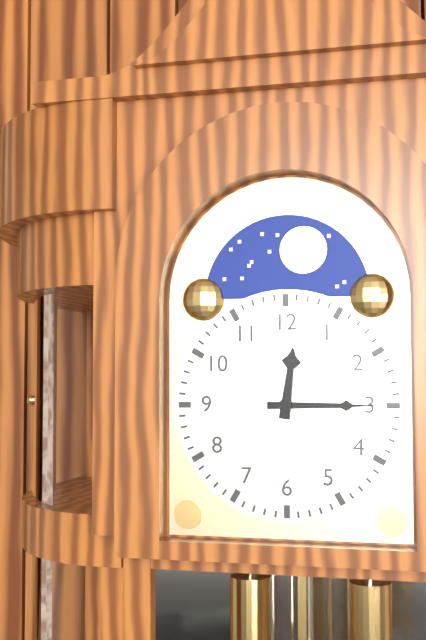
12h15
